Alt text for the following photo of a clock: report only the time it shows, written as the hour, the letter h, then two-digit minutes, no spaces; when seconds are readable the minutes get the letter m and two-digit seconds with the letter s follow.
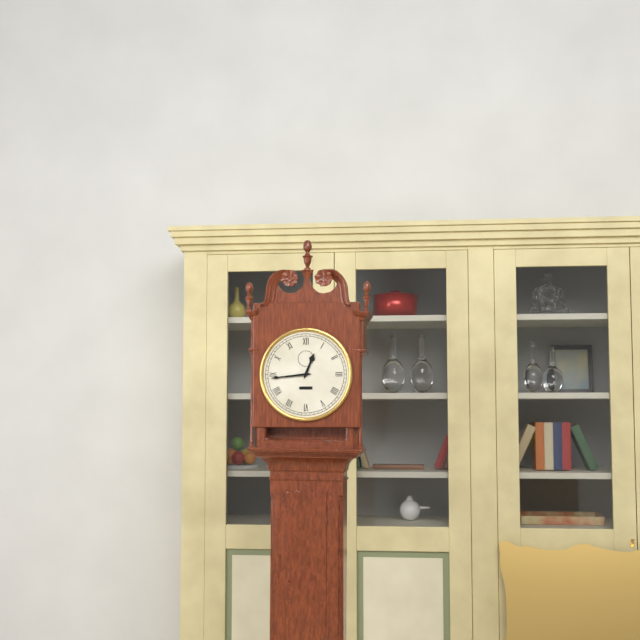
12h44
